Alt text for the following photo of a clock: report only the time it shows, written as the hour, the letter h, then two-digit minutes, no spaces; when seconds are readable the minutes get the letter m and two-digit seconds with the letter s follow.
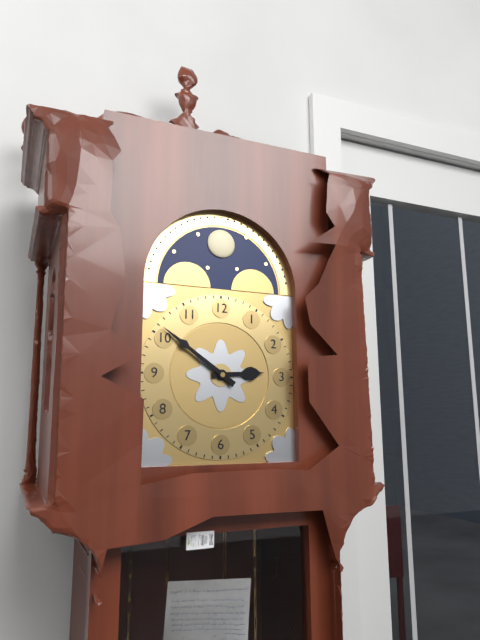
2h51
